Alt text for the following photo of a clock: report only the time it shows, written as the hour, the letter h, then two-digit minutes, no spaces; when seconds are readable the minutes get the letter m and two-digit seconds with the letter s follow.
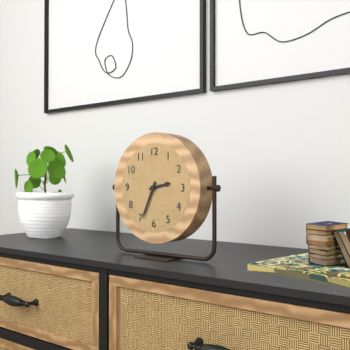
2h34
